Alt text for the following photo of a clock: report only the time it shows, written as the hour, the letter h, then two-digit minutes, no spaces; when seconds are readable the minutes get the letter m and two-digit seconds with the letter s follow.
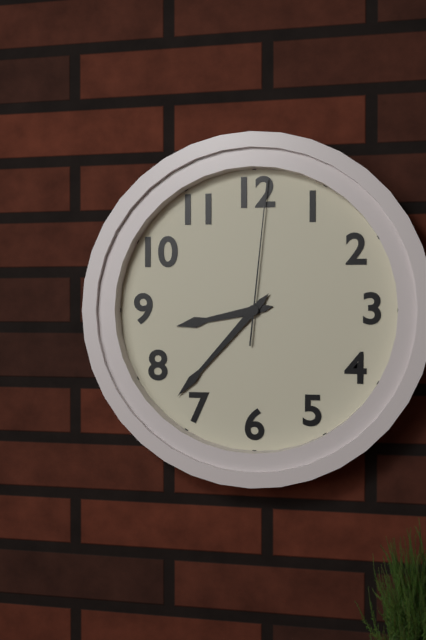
8h37m01s
